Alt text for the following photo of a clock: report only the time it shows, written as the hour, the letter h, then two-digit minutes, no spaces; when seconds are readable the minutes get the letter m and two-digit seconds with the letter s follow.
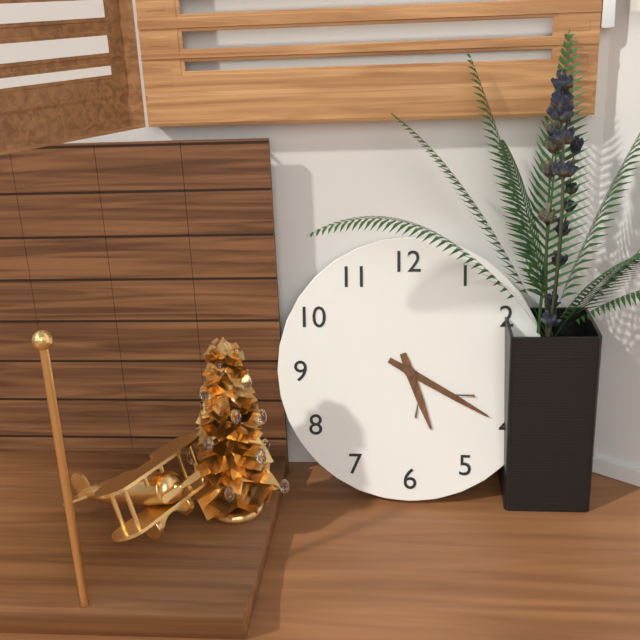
5h20
